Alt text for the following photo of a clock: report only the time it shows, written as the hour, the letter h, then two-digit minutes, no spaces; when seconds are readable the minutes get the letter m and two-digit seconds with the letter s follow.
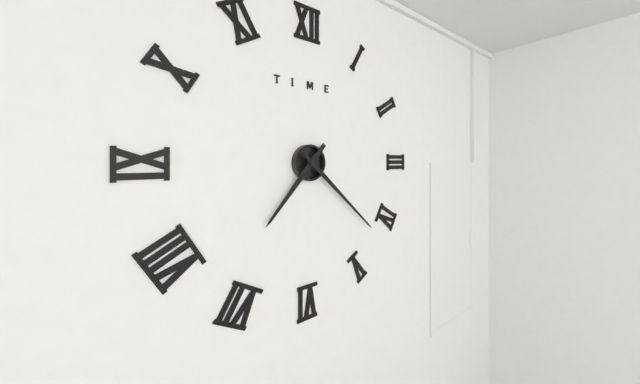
7h22
